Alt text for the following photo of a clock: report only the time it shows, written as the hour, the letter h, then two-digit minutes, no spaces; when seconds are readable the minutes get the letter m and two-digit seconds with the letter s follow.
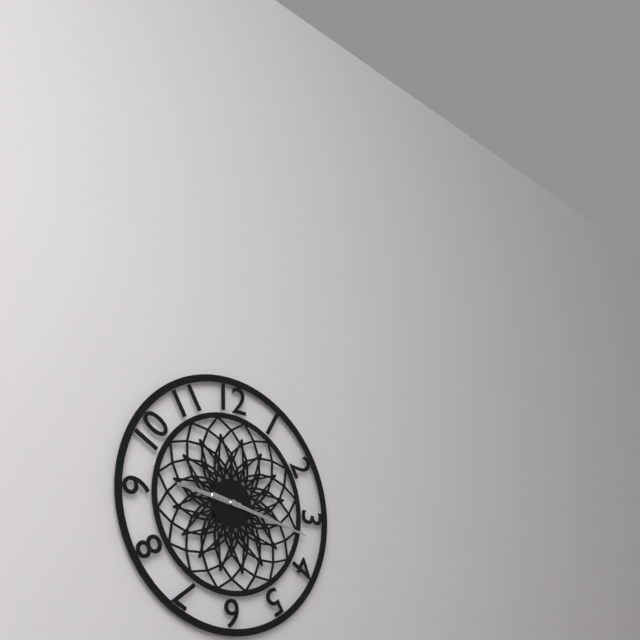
9h17
